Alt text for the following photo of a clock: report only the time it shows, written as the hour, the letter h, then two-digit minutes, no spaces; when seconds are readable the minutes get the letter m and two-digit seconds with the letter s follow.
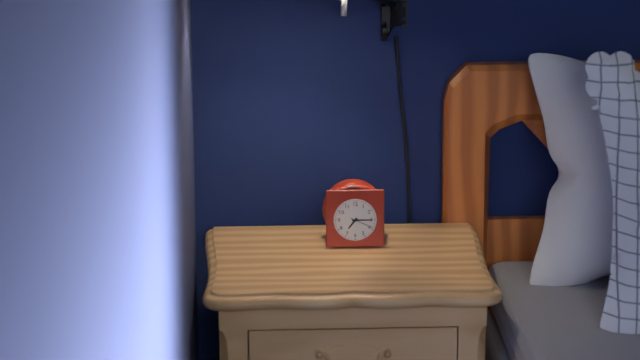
7h15
